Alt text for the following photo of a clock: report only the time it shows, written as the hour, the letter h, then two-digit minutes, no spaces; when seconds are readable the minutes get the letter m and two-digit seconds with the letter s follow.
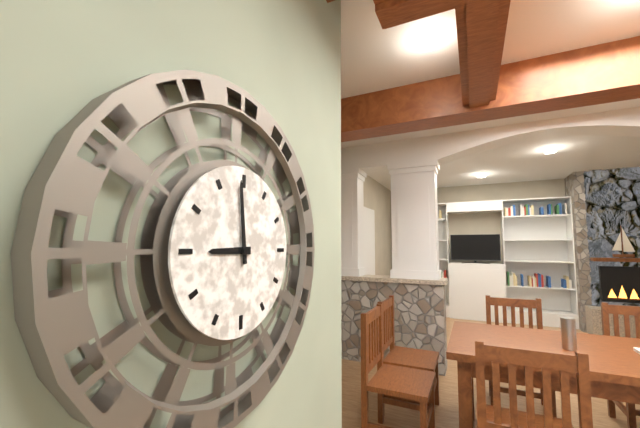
8h59
